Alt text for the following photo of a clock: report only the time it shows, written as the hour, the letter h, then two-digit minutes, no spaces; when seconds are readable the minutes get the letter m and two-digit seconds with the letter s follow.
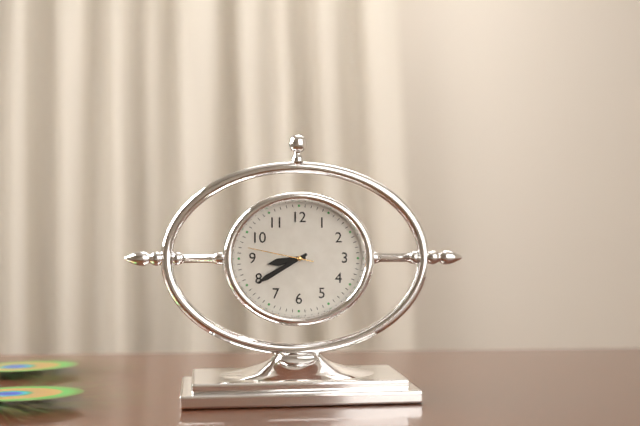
8h40m47s
